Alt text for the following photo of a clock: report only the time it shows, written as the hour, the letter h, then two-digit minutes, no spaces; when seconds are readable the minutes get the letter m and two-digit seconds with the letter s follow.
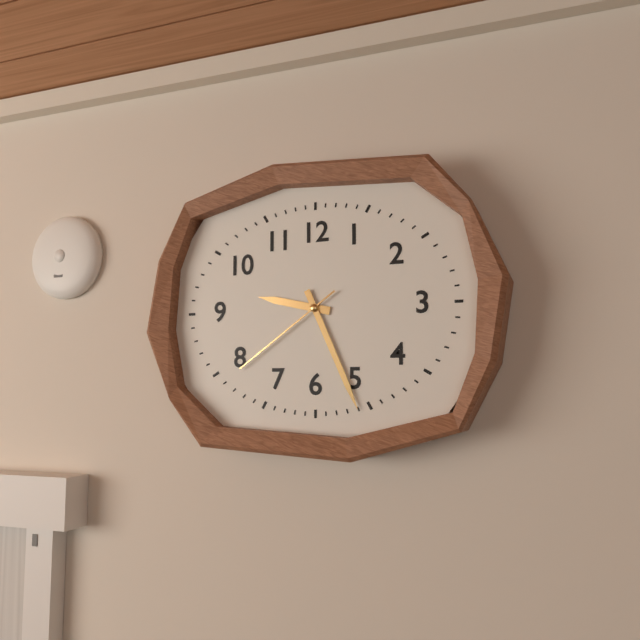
9h26m39s
